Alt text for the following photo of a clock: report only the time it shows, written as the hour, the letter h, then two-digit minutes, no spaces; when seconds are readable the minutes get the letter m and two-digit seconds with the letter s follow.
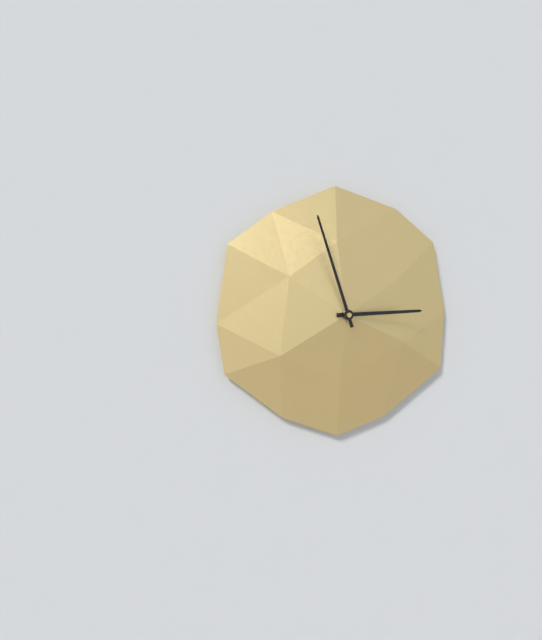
2h57
